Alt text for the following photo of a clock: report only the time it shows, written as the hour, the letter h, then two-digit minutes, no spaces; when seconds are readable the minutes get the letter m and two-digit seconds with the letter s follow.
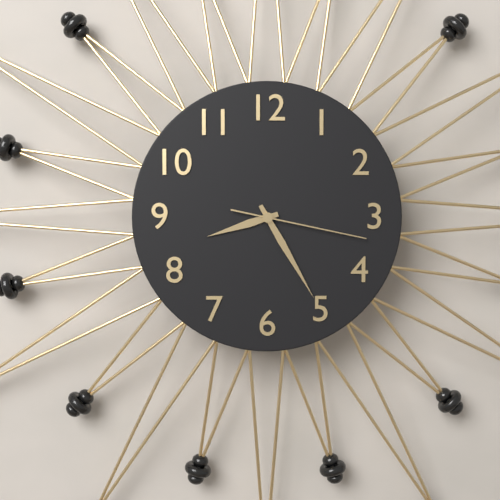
8h25m17s
